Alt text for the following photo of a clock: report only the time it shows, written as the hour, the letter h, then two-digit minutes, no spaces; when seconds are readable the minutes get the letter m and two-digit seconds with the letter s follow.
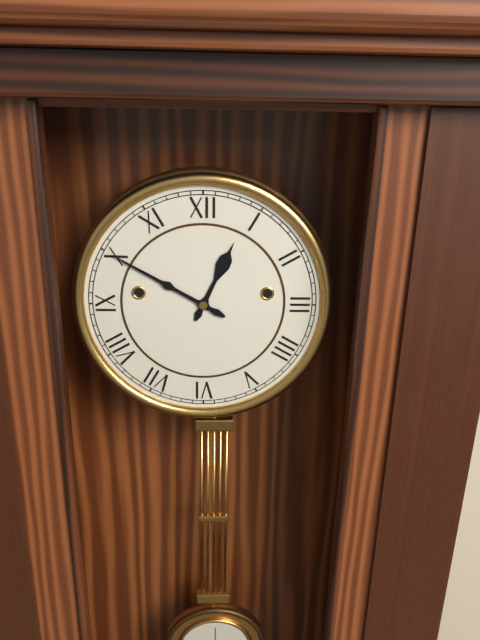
12h50
